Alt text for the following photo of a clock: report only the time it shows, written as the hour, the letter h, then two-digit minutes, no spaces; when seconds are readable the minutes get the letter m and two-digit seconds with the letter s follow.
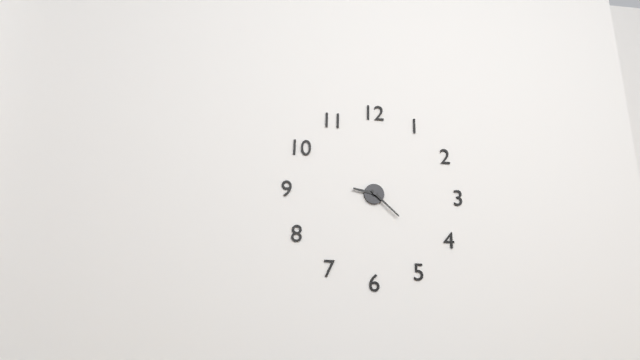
9h22
